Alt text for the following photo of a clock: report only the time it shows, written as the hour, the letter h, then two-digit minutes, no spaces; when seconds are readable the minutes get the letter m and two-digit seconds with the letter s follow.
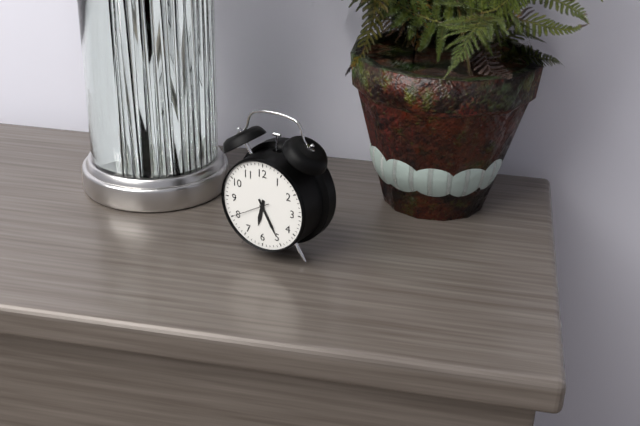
6h25
